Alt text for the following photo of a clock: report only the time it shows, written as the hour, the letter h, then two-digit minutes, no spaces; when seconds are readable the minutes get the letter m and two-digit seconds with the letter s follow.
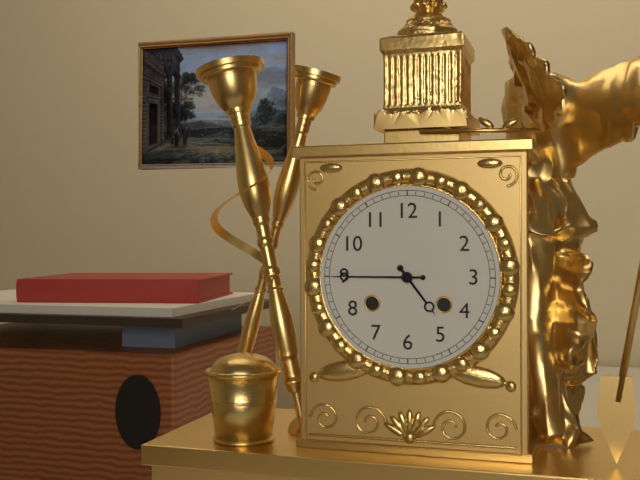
4h45
